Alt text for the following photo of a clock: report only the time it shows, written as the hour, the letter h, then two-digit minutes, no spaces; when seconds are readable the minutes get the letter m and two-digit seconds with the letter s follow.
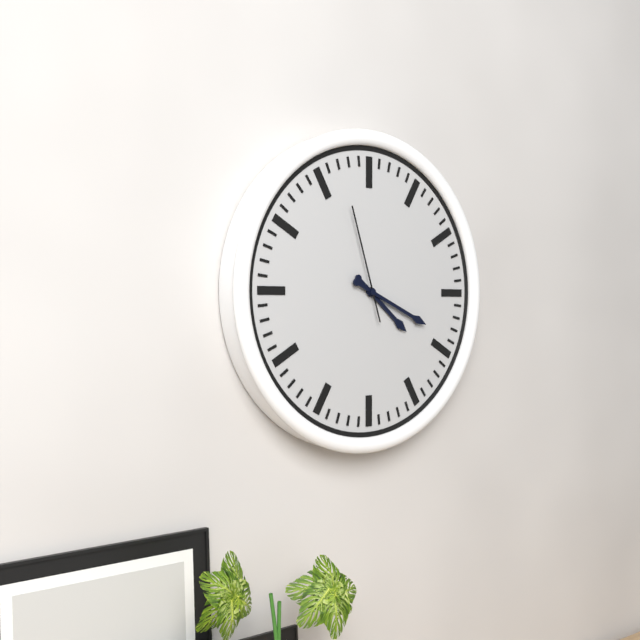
4h19m57s
